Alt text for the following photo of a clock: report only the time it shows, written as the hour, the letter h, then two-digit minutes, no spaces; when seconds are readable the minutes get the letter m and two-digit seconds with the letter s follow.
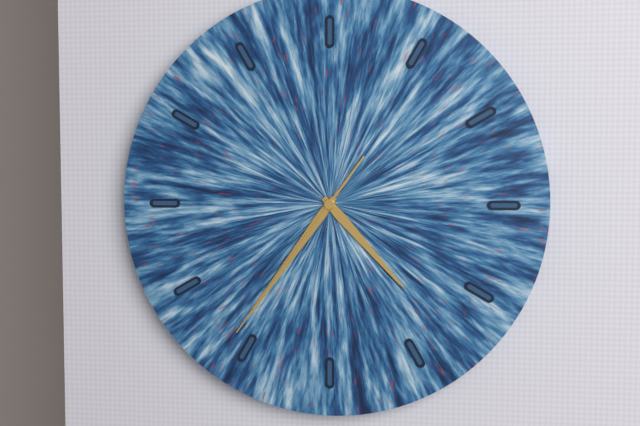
4h36m36s
